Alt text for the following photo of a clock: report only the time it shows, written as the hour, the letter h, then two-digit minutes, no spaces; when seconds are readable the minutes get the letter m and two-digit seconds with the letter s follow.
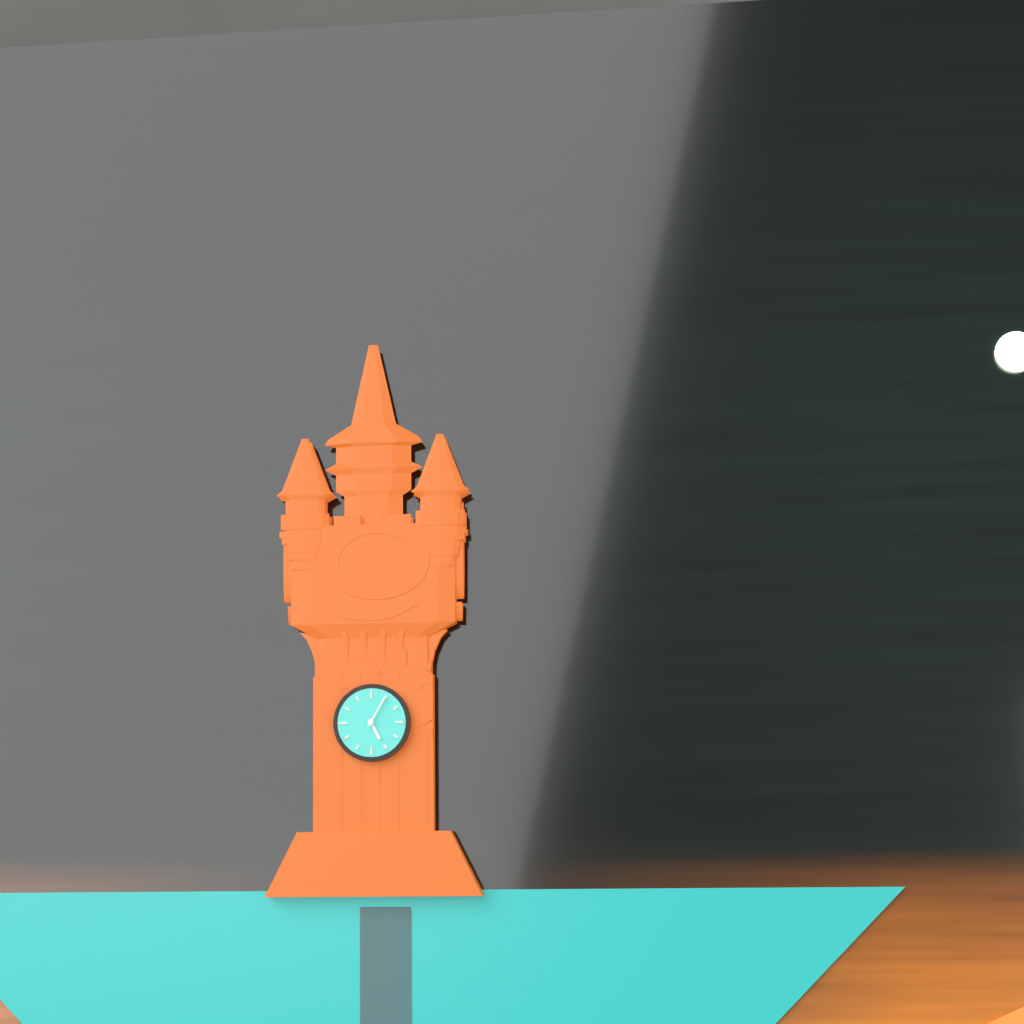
5h05
